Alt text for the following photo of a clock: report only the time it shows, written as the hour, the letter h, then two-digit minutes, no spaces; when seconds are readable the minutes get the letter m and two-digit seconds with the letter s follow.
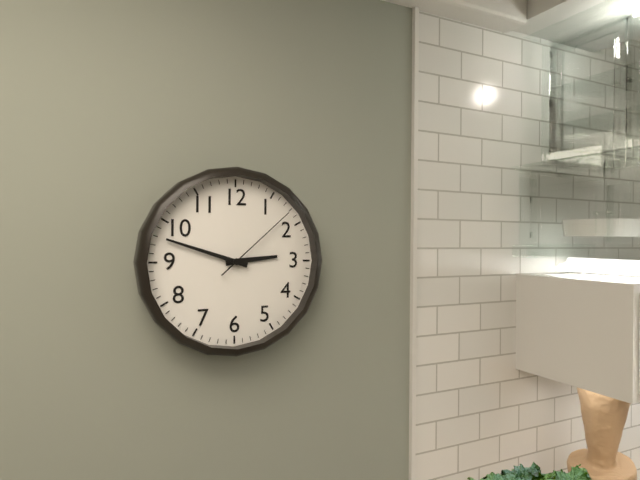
2h48m08s
